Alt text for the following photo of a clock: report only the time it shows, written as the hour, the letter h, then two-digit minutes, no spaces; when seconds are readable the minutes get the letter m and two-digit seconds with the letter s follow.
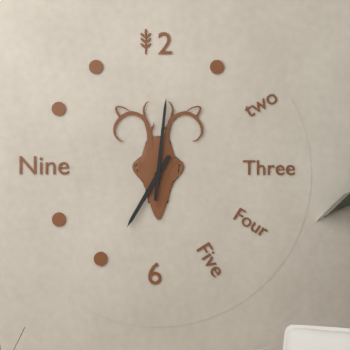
7h01
